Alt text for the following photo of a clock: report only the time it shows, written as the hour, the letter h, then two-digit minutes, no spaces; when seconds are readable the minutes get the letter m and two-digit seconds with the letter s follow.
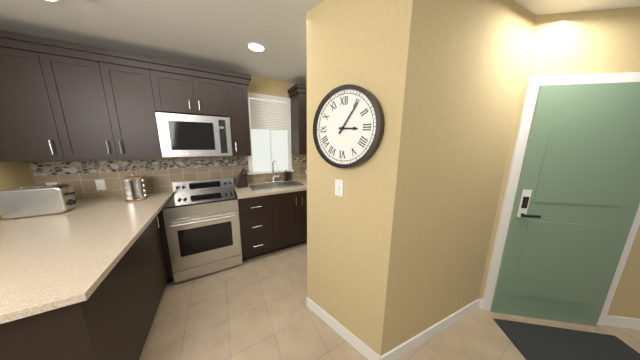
3h06
